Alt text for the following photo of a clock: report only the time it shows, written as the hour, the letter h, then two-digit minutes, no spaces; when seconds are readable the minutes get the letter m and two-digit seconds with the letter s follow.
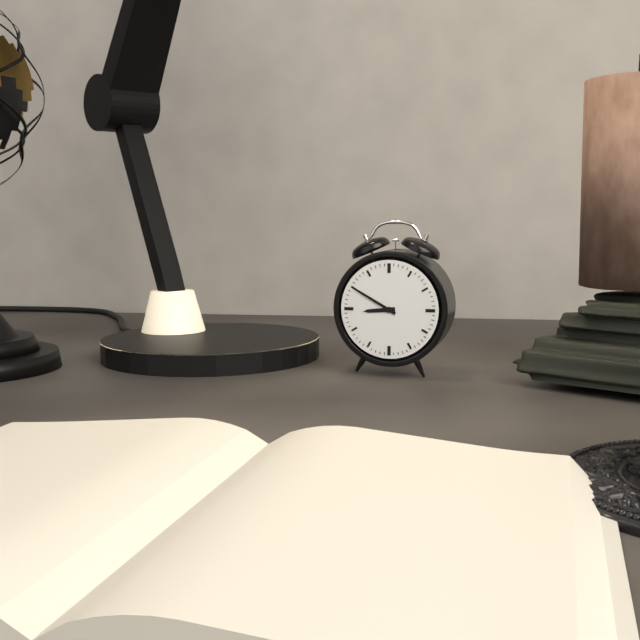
8h50
